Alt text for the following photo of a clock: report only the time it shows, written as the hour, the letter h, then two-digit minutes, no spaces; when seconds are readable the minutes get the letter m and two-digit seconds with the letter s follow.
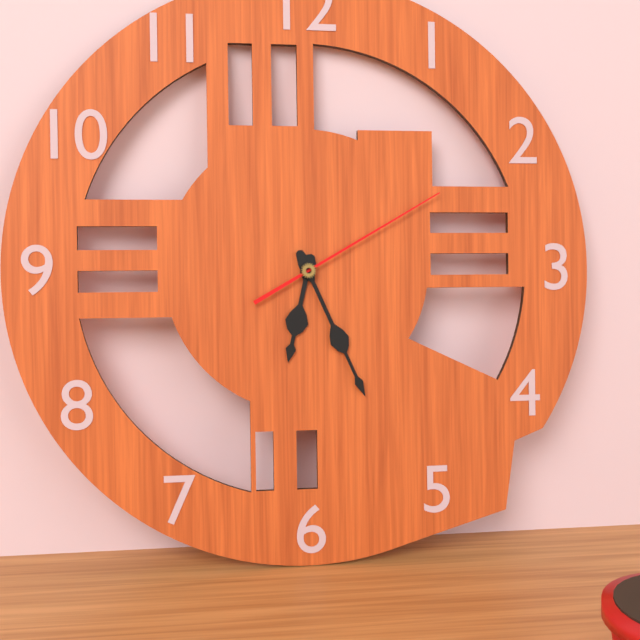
6h26m10s
